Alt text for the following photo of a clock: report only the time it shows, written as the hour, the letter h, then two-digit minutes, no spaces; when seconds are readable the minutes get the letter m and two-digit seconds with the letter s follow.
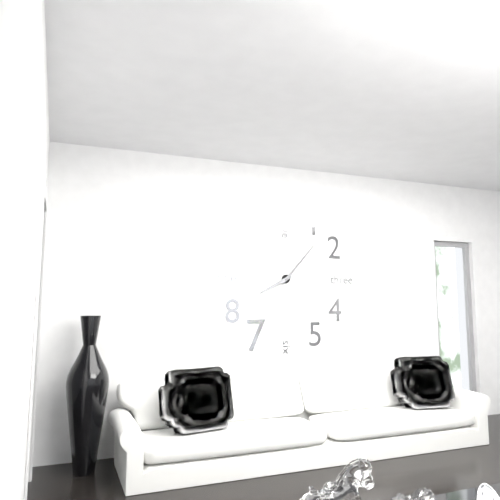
8h07
